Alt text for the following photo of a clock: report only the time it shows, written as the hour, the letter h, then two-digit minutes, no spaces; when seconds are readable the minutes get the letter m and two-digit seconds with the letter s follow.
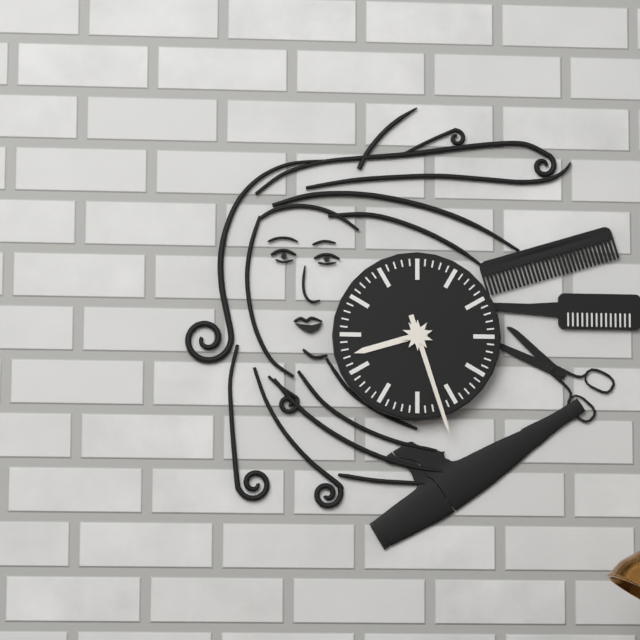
8h27
